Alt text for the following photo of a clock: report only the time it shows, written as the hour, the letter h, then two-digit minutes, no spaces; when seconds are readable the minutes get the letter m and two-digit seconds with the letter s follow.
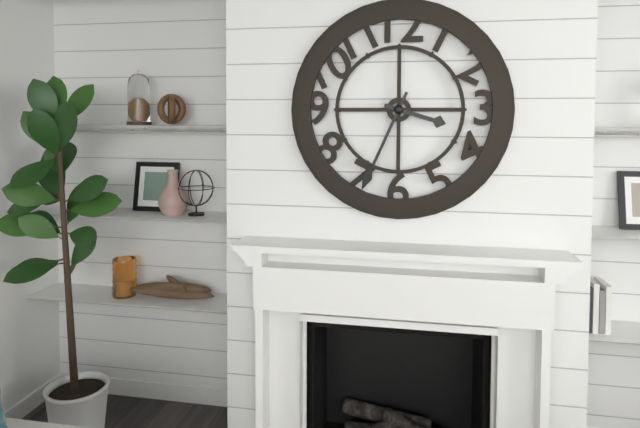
3h34
